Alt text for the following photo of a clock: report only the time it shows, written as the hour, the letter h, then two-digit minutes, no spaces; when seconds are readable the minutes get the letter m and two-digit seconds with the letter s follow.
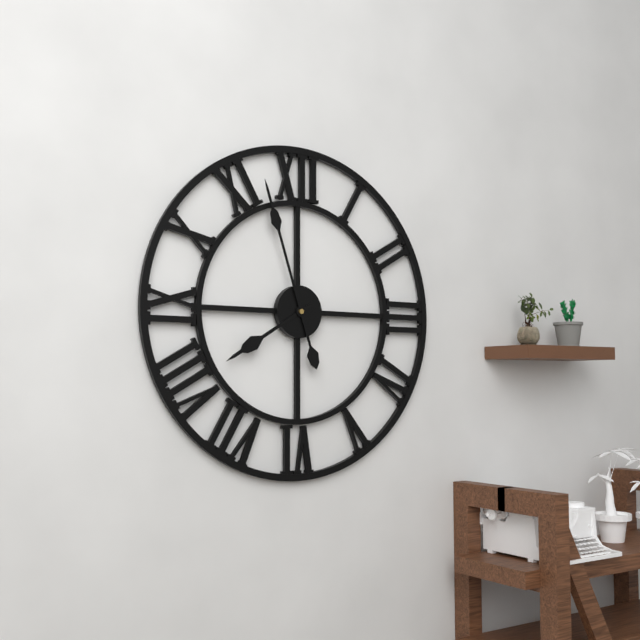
7h57
